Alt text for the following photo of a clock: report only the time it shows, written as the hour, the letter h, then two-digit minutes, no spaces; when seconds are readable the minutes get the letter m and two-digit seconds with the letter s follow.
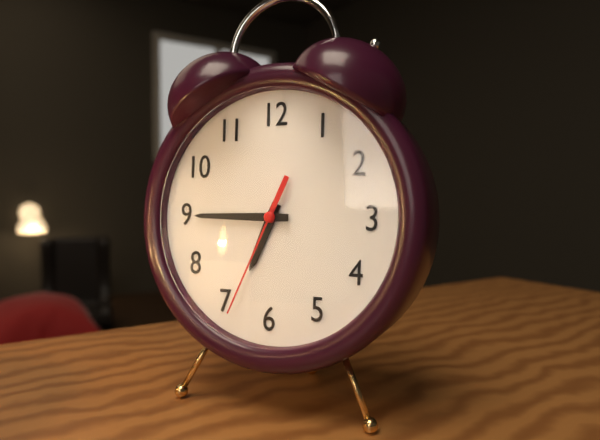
6h45m34s
